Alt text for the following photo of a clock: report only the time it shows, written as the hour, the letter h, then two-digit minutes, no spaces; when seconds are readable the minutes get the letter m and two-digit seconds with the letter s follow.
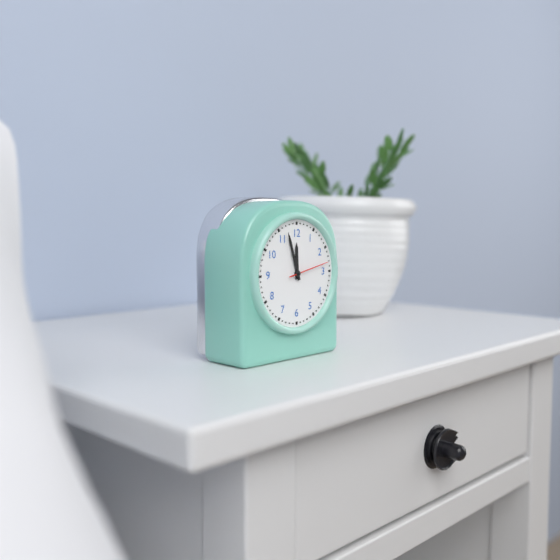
11h57
